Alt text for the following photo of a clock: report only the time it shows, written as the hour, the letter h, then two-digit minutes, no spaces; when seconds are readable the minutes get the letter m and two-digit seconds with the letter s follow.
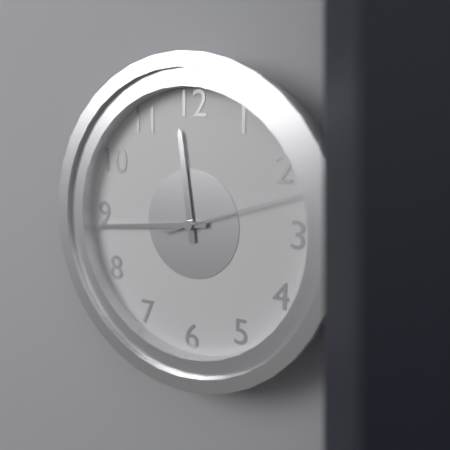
11h44m12s
